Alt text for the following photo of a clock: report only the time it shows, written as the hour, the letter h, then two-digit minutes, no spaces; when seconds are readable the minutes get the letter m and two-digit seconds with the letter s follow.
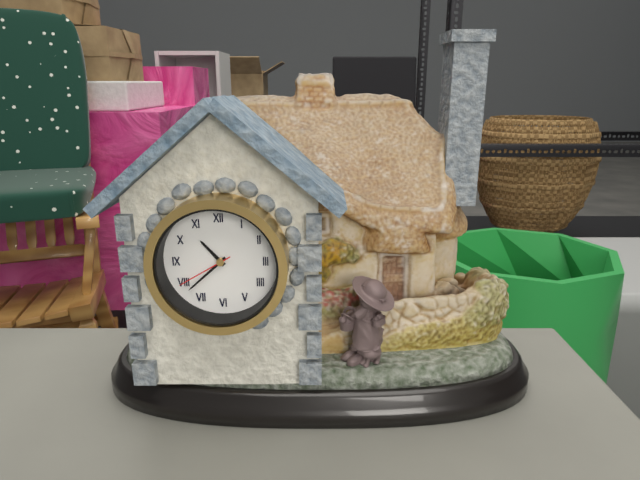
10h38m40s
